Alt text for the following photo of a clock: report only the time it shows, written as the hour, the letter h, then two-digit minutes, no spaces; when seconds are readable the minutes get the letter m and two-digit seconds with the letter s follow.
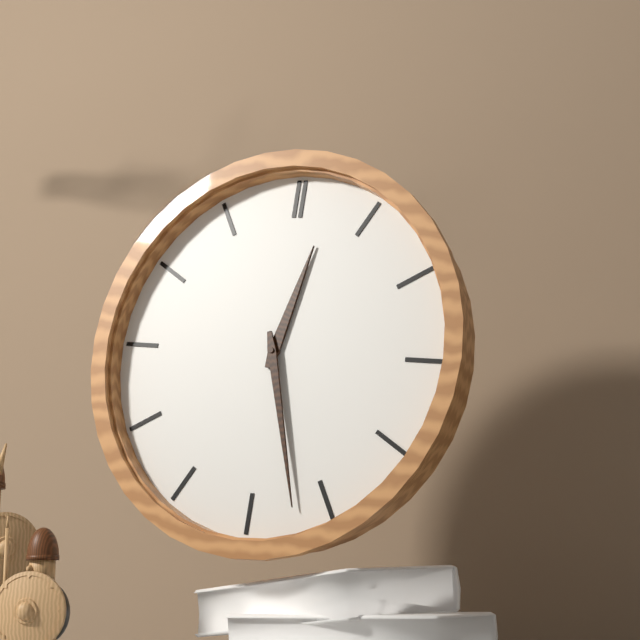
12h27
